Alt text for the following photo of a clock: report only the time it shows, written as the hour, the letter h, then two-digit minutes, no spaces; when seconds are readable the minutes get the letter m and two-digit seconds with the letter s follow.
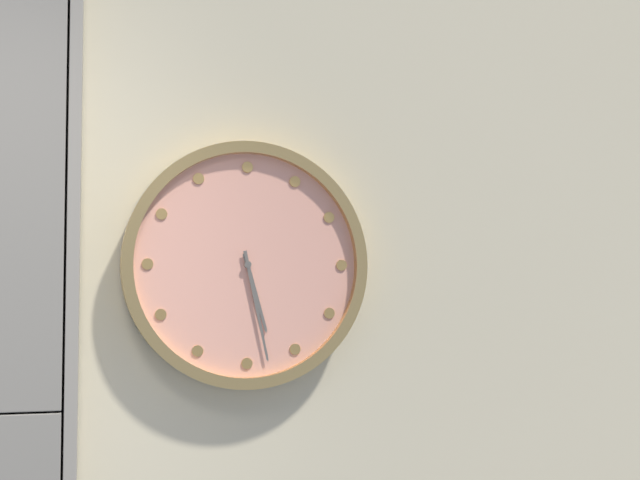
5h28
